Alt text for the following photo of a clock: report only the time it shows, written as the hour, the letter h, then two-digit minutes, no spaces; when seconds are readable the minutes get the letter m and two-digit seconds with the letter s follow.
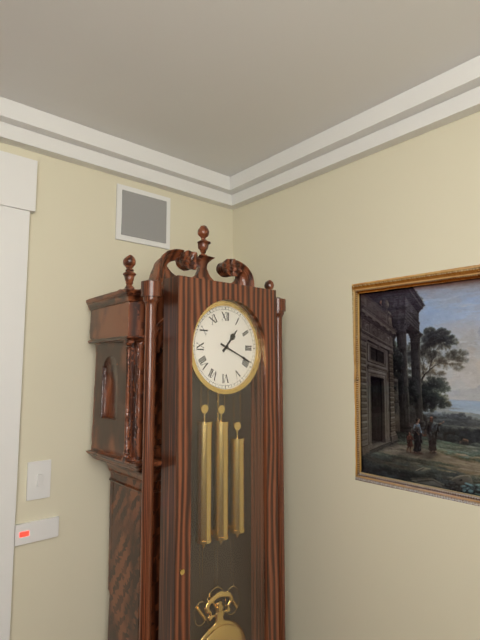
1h19
